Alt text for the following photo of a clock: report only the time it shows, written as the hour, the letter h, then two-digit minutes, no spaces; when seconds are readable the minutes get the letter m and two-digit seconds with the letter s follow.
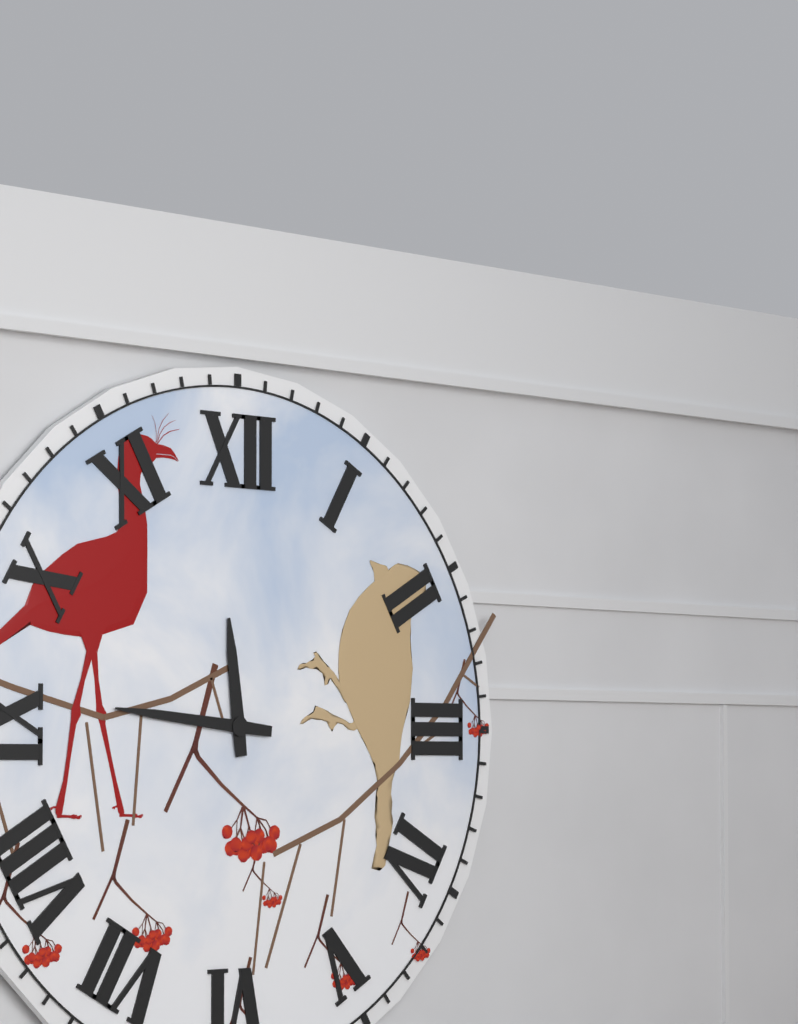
11h46
